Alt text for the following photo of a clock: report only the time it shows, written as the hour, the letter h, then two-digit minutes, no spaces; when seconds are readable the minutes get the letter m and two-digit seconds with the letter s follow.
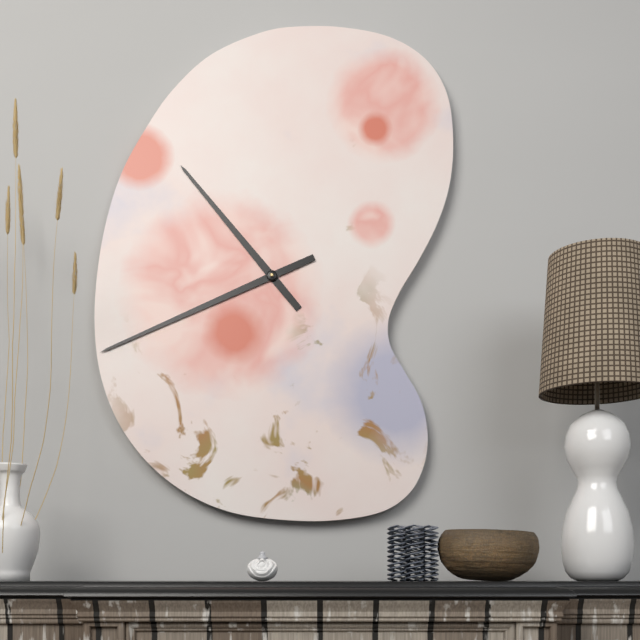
10h41
